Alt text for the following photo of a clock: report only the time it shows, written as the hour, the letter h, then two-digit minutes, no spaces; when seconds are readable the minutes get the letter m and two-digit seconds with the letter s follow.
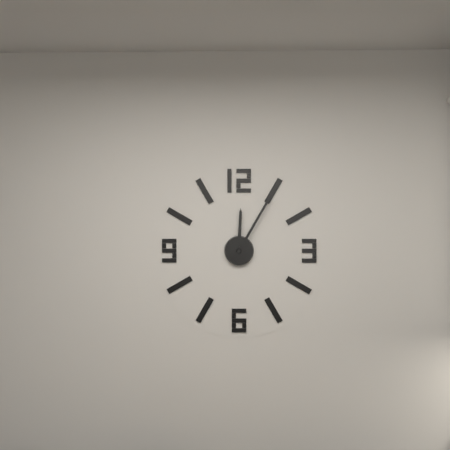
12h05
